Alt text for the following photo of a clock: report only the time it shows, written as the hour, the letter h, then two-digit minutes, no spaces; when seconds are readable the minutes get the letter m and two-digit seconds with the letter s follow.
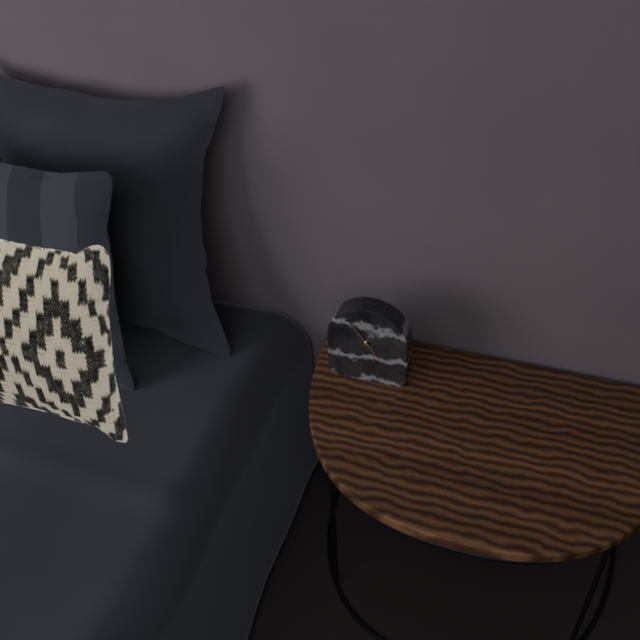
4h54
